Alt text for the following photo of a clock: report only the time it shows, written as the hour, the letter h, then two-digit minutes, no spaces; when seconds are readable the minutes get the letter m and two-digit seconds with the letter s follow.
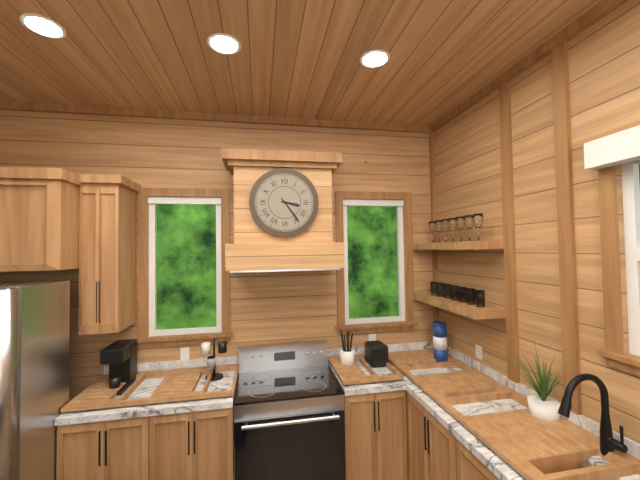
3h24
